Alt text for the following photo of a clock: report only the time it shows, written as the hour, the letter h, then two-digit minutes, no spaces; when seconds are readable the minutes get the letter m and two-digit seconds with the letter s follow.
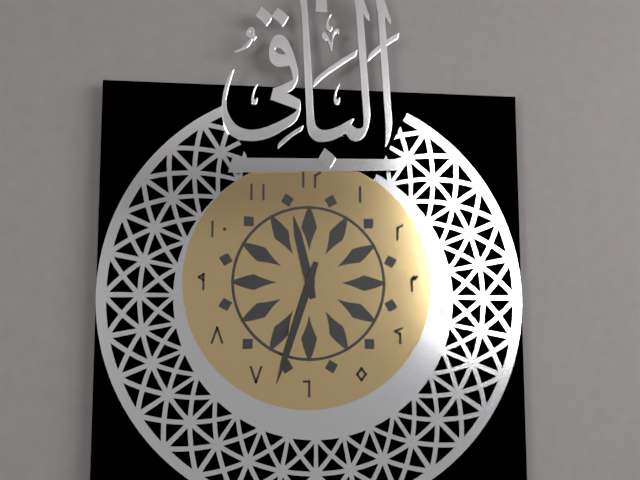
11h33
